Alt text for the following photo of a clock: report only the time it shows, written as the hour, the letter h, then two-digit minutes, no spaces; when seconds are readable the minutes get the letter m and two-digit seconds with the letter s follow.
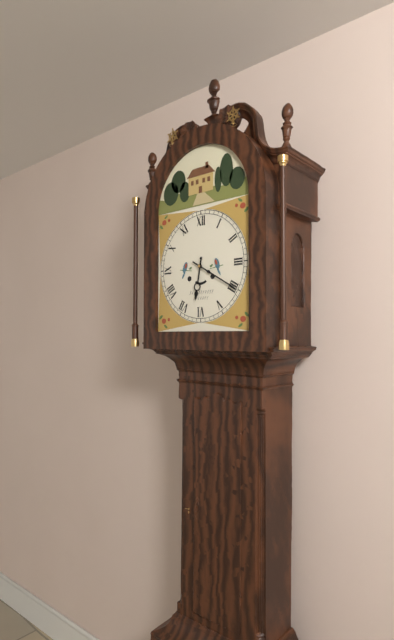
6h20
